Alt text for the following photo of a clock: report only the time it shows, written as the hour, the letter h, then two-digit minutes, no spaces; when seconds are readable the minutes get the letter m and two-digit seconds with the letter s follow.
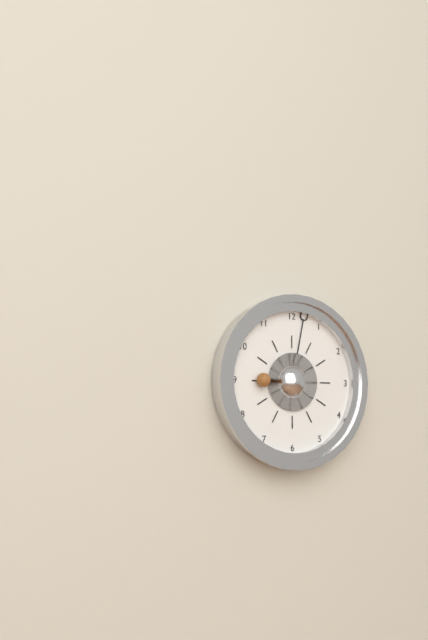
9h02
